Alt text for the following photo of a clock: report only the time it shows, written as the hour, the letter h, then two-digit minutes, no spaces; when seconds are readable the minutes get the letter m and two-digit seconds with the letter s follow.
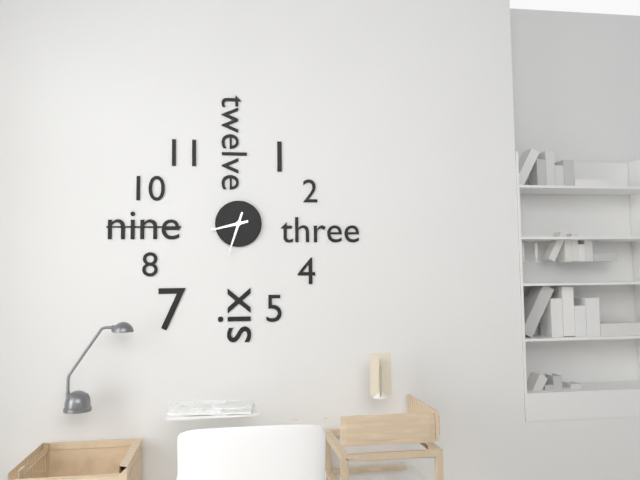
8h33
